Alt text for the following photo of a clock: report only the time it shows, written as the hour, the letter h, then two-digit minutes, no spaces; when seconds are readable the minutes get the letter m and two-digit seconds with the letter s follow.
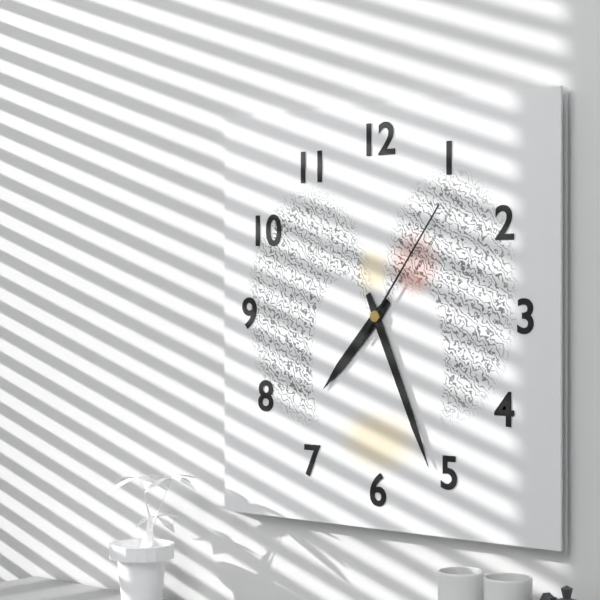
7h26m06s
